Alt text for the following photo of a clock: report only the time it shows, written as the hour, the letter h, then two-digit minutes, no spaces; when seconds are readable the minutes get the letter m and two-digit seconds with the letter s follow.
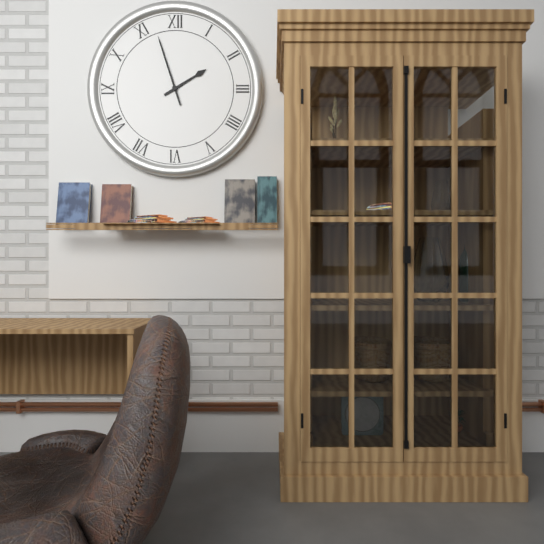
1h57
